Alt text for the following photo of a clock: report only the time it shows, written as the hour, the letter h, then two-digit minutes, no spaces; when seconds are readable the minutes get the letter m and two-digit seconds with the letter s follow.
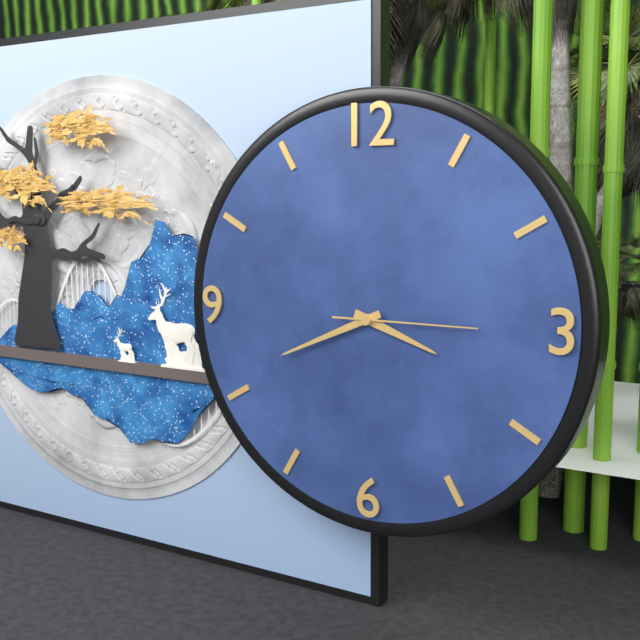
3h41m15s
